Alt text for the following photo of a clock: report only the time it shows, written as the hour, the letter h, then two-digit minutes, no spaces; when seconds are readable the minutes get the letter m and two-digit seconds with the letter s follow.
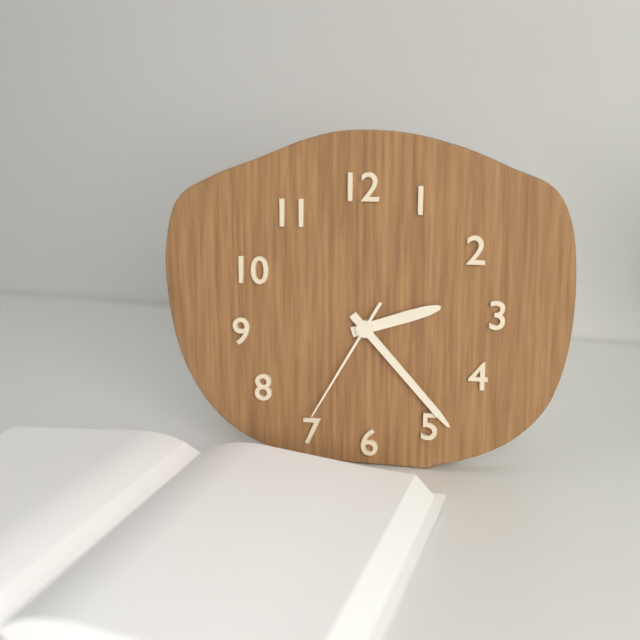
2h23m35s
